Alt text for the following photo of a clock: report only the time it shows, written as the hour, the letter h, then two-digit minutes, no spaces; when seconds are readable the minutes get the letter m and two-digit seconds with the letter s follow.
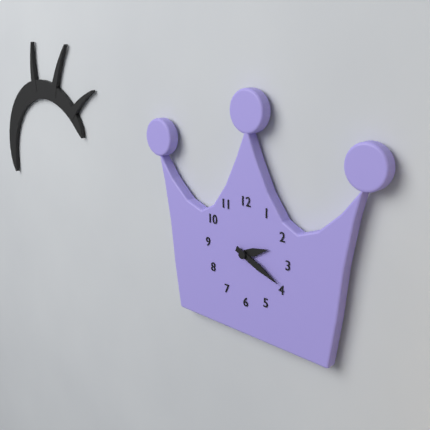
2h19
